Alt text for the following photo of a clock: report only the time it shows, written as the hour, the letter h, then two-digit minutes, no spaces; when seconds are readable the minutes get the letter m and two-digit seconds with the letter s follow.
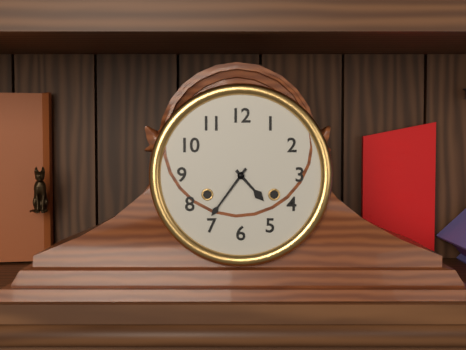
4h36
